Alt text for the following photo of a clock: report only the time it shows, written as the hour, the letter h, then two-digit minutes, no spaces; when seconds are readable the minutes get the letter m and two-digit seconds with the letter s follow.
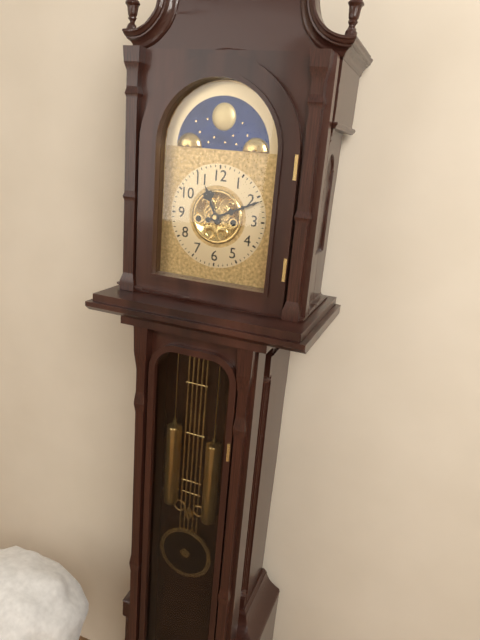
11h11
